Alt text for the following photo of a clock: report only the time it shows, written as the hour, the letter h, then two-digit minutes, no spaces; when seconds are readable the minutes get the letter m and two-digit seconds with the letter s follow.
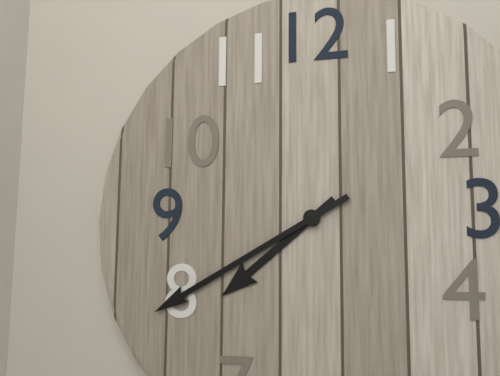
7h40
